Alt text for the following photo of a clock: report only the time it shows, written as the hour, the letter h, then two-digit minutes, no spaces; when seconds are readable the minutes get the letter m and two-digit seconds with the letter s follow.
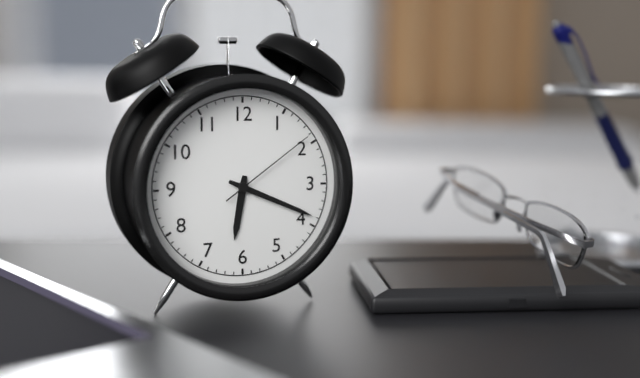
6h19m09s
